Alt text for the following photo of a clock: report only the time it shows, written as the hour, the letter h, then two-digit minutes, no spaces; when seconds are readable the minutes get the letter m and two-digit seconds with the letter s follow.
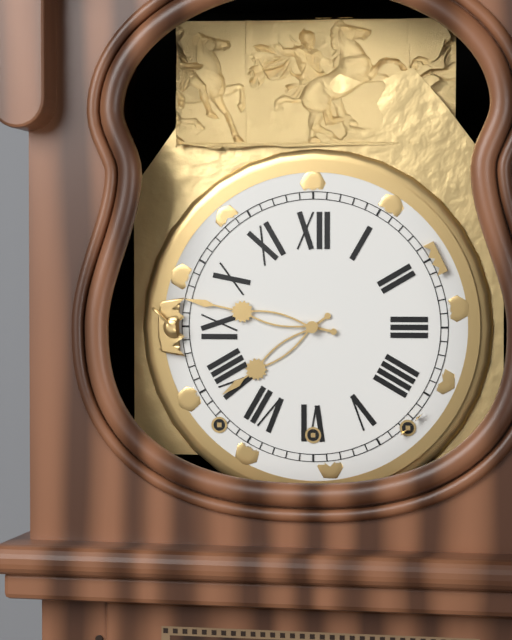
7h47
